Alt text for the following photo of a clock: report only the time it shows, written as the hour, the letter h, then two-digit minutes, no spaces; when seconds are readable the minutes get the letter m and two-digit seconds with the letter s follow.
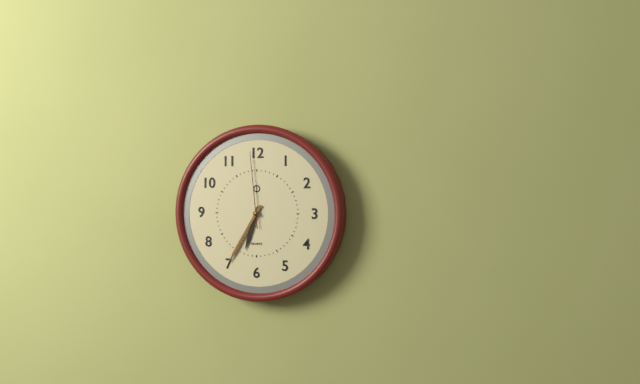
6h35m59s
